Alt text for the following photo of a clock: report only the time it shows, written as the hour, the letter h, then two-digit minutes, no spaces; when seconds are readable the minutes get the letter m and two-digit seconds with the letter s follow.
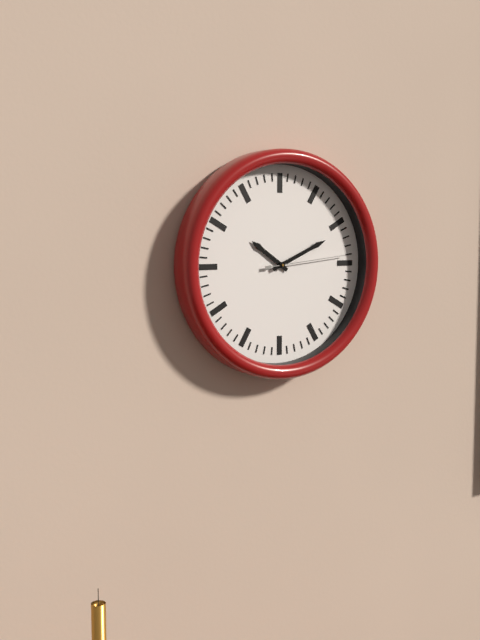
10h11m14s
